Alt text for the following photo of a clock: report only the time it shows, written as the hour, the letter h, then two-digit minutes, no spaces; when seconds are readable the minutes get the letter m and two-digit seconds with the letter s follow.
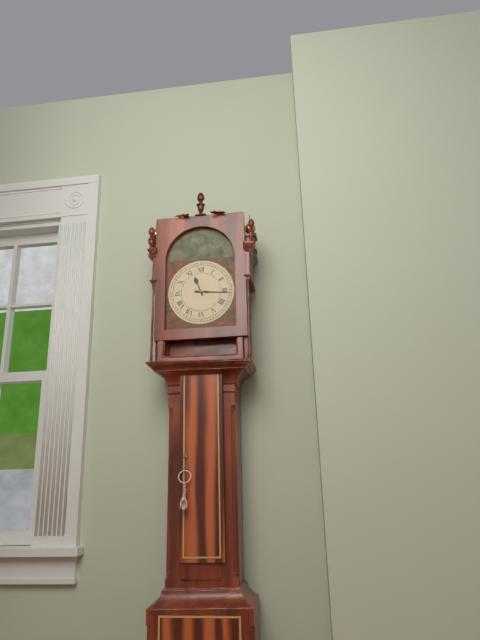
11h16
